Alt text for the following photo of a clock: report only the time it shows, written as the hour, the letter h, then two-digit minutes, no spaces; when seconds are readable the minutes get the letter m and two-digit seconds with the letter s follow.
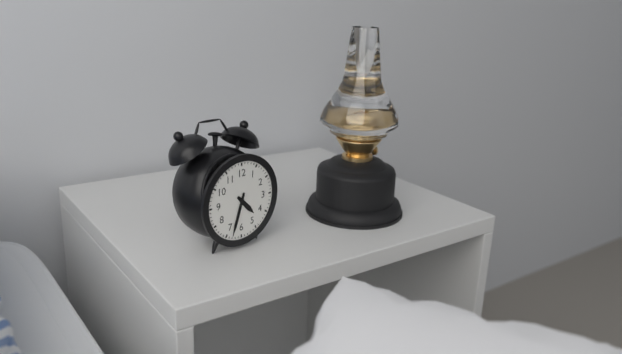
4h33
